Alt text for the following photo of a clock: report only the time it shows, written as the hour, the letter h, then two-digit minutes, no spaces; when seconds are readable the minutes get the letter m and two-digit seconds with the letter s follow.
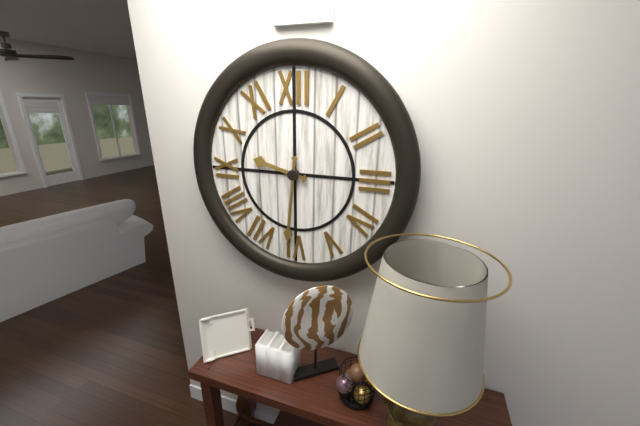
9h31
